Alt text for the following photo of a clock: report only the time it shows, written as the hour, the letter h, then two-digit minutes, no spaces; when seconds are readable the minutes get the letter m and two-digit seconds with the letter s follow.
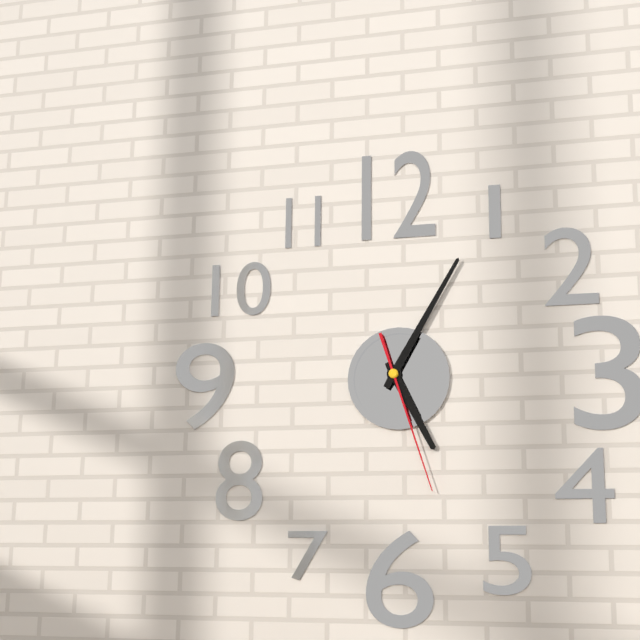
5h05m27s
